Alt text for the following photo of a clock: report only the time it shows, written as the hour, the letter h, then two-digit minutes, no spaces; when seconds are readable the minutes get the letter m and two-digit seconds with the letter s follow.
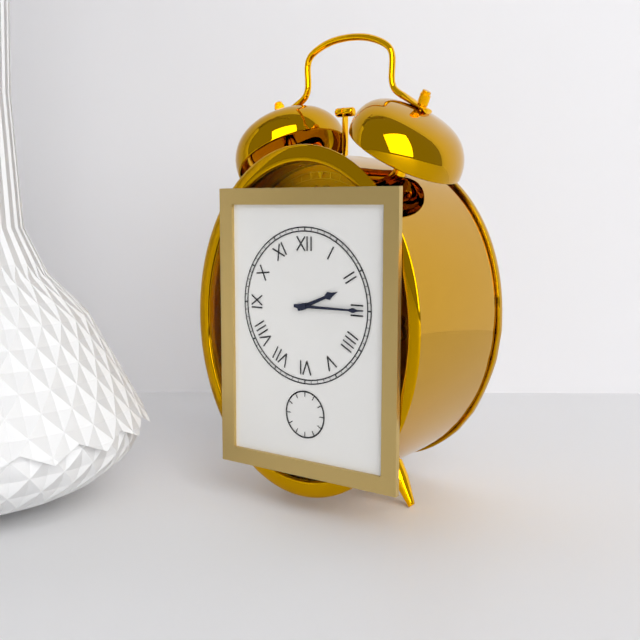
2h15
